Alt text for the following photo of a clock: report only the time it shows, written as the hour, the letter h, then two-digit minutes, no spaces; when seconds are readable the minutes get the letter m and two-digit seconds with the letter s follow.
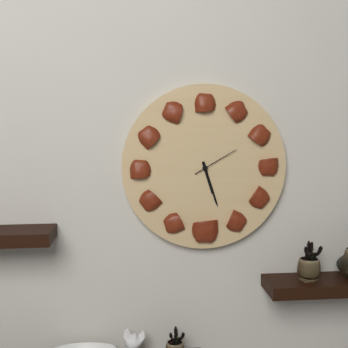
5h27
